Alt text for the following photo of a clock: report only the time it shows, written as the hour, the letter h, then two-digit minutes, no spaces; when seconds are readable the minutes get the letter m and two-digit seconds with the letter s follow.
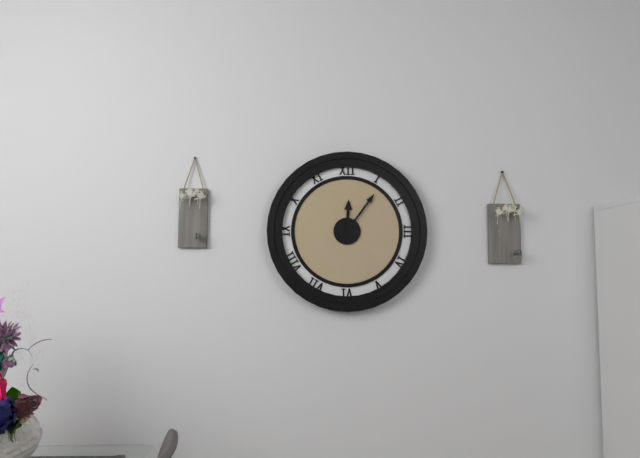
12h06
